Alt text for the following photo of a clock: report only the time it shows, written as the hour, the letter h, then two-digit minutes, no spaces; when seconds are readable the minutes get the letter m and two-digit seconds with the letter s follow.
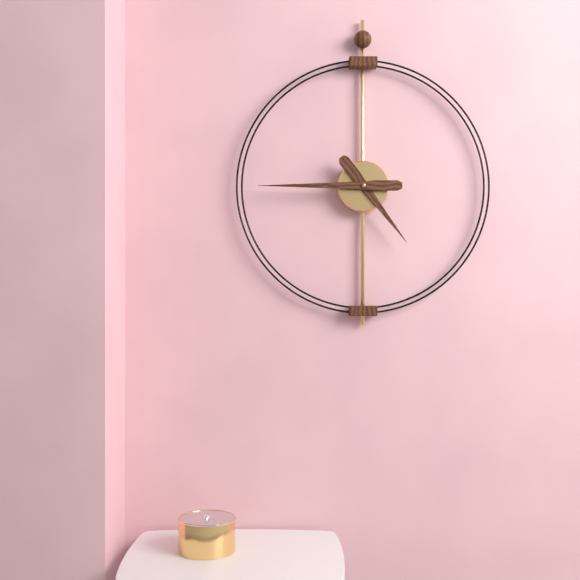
4h45
